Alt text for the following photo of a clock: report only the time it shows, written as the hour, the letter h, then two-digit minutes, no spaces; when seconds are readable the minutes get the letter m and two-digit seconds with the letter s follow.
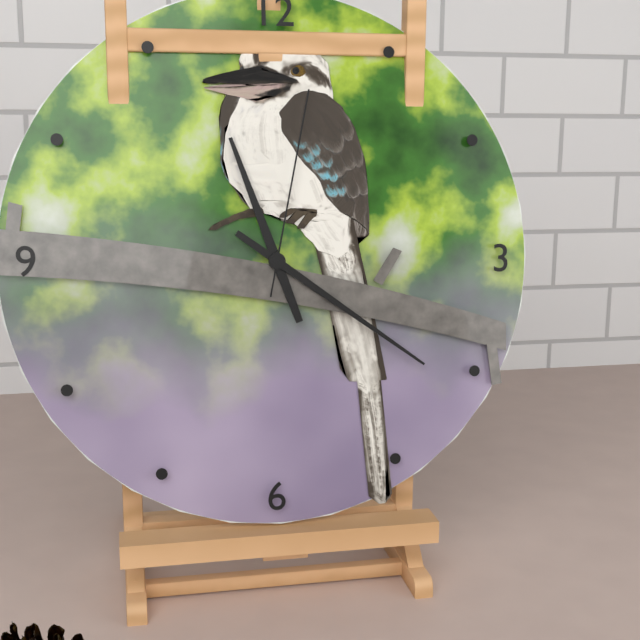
11h21m02s
